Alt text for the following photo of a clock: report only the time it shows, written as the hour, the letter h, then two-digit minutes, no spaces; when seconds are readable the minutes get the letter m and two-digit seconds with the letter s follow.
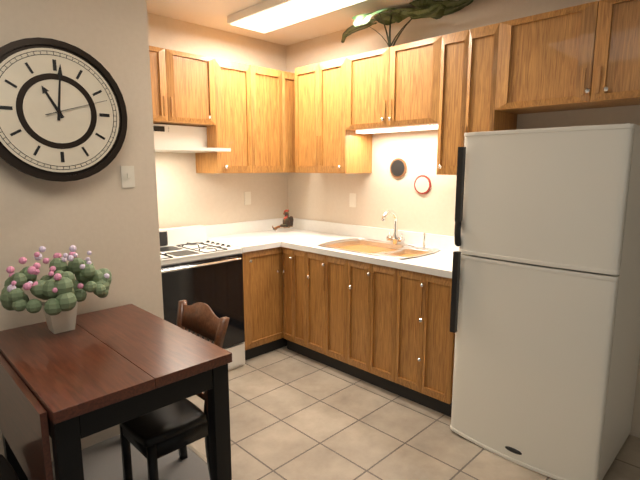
11h01m12s
